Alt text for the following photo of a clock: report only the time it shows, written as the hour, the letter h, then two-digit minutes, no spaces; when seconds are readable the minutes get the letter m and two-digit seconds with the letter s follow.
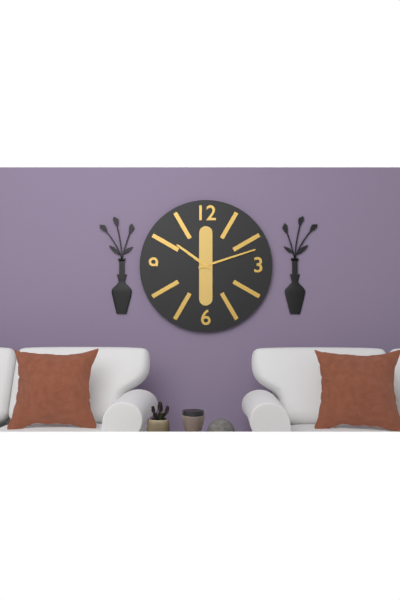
10h12
